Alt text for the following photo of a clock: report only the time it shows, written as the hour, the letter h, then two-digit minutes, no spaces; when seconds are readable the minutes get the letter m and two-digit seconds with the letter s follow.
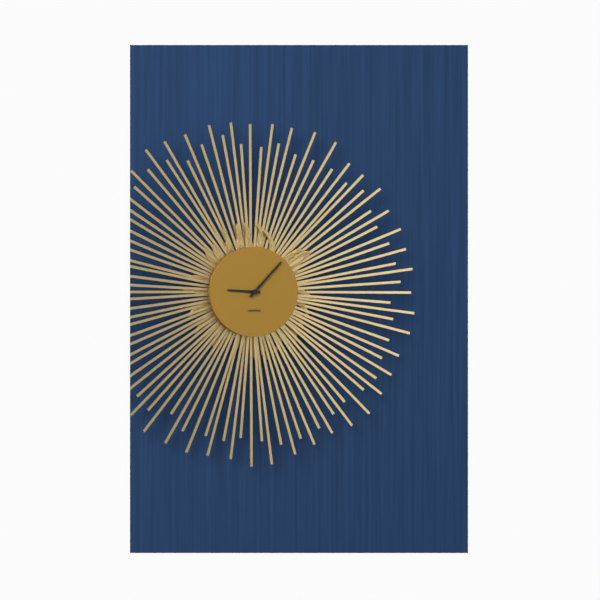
9h07
